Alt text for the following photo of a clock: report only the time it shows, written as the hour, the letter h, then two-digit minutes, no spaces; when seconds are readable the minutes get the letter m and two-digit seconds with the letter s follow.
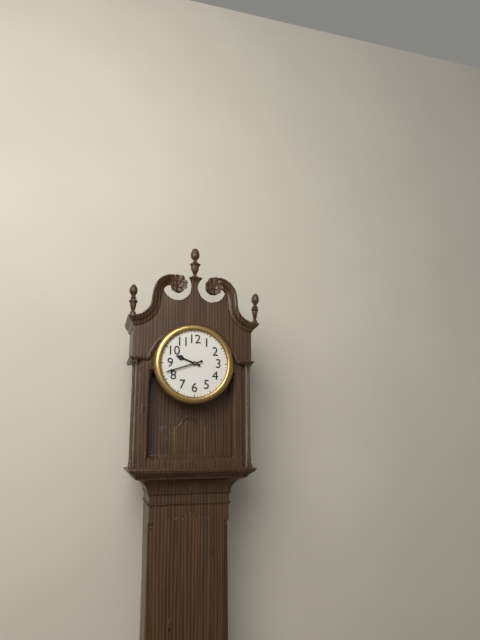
9h42
